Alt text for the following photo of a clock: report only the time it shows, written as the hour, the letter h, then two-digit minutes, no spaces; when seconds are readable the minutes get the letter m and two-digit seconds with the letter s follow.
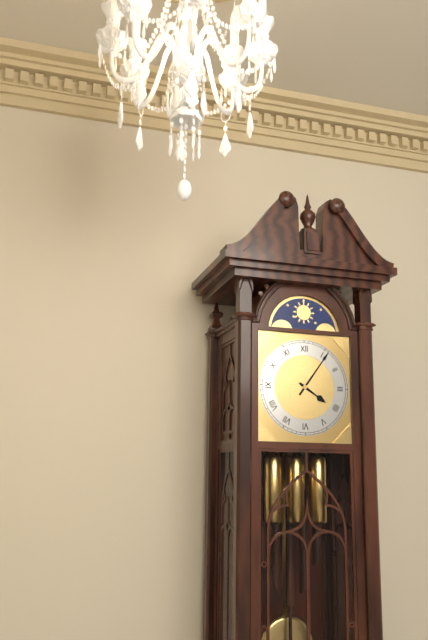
4h06
